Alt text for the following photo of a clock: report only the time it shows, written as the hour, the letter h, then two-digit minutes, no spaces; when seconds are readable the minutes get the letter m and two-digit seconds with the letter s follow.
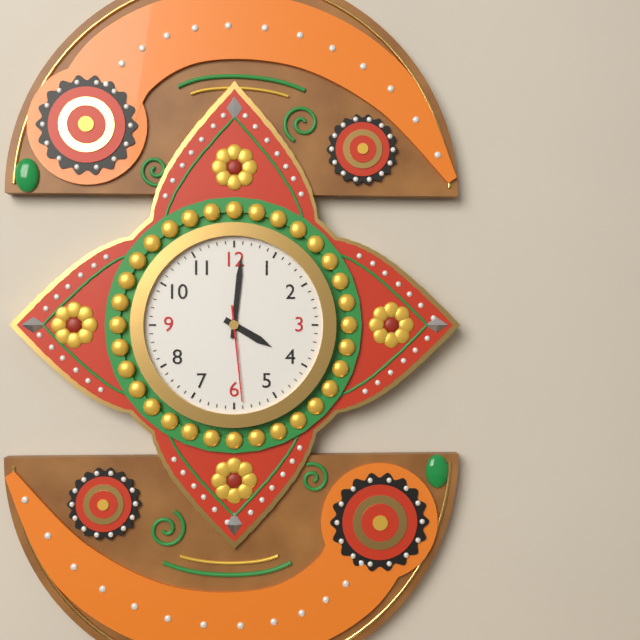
4h01m29s
